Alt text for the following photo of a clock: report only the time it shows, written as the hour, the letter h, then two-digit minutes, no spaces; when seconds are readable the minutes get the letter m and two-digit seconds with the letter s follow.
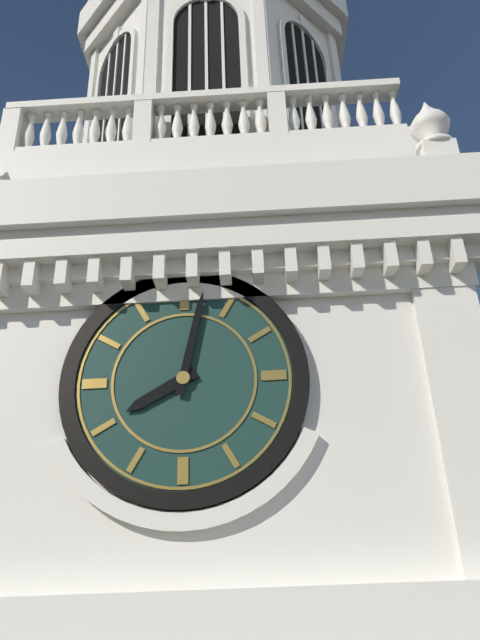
8h02
